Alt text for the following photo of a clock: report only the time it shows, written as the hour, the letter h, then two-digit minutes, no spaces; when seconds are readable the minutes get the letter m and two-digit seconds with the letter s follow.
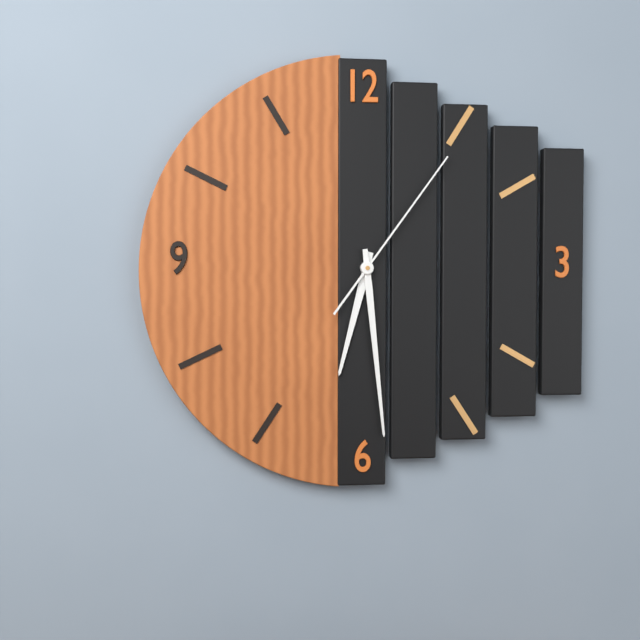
6h29m06s
